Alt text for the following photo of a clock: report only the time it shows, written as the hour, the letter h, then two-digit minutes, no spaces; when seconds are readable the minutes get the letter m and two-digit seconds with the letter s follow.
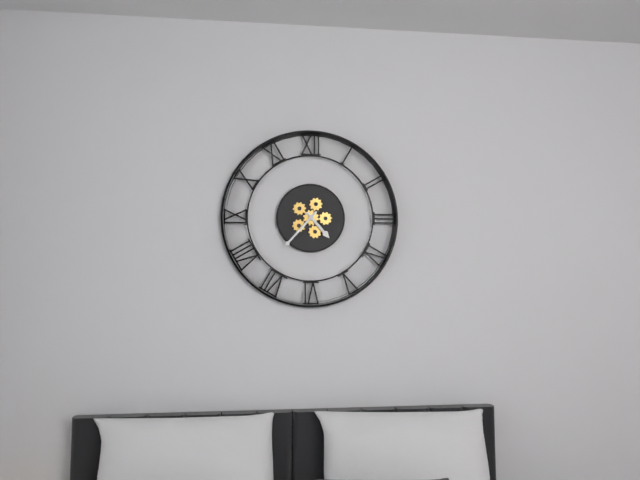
4h37
